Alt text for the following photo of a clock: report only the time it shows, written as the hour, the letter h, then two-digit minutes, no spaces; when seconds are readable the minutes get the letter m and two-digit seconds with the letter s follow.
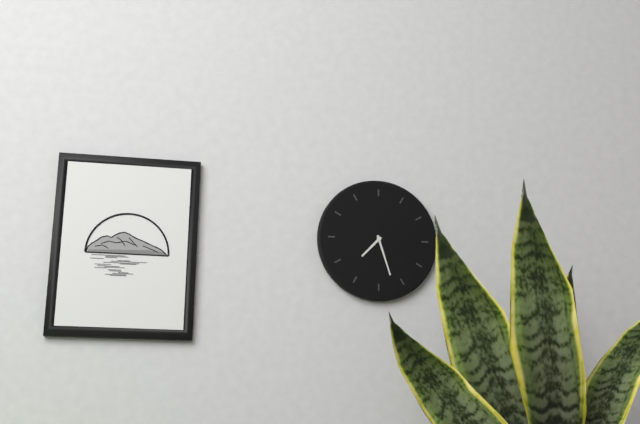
7h27
